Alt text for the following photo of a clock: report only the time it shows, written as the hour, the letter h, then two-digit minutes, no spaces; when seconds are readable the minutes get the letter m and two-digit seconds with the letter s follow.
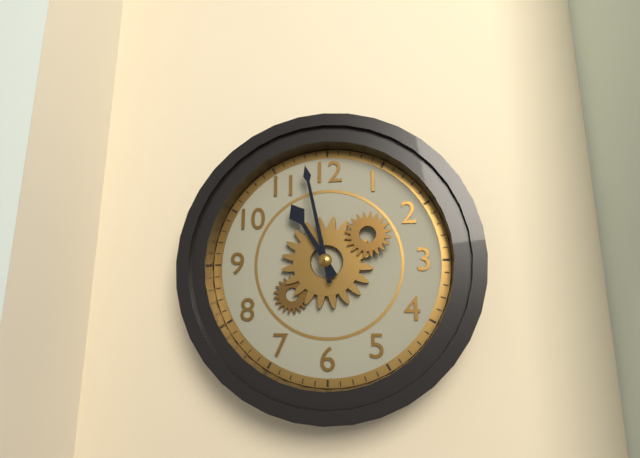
10h58
